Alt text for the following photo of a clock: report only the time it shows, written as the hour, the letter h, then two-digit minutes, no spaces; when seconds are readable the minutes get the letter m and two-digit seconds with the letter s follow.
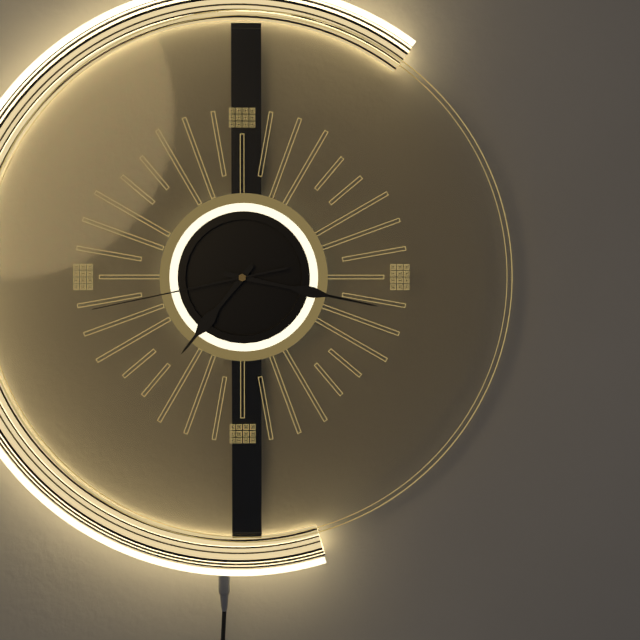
7h17m43s
